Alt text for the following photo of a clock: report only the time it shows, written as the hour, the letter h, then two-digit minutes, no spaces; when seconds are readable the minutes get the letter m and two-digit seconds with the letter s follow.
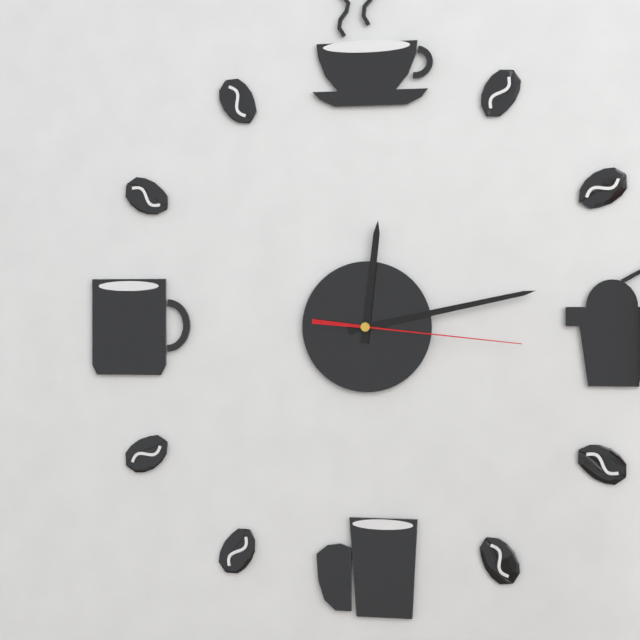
12h13m16s
